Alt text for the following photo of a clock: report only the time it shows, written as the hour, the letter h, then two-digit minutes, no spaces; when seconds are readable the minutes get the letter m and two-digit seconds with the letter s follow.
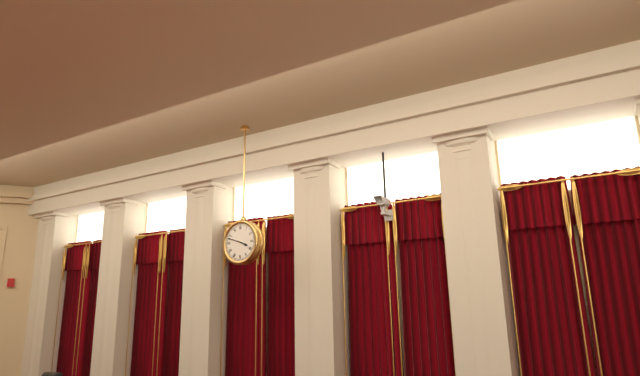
3h48
